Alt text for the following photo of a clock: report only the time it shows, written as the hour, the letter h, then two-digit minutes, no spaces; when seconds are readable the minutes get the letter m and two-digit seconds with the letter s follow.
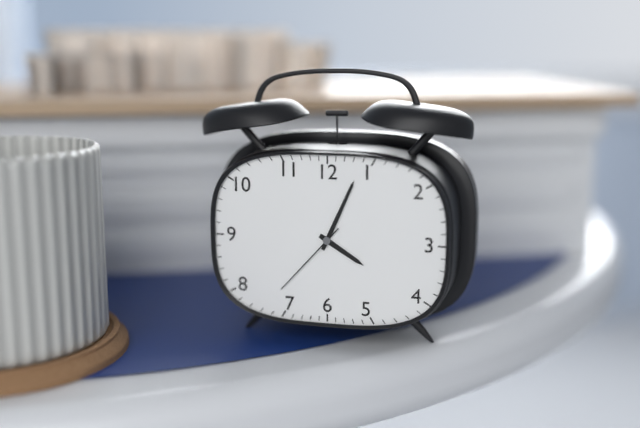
4h04m37s
